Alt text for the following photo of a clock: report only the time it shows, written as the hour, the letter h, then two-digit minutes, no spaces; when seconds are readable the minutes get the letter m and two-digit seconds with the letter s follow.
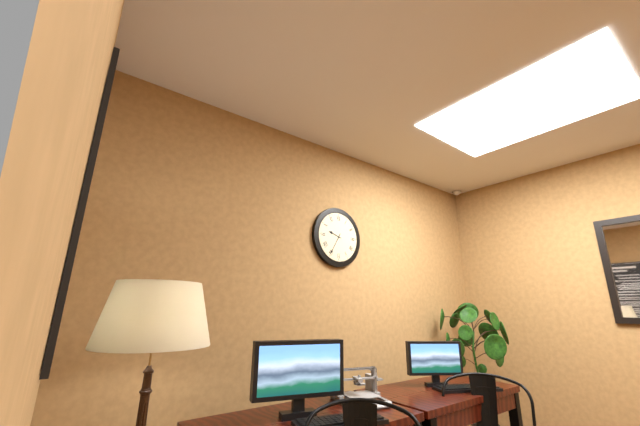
9h35
